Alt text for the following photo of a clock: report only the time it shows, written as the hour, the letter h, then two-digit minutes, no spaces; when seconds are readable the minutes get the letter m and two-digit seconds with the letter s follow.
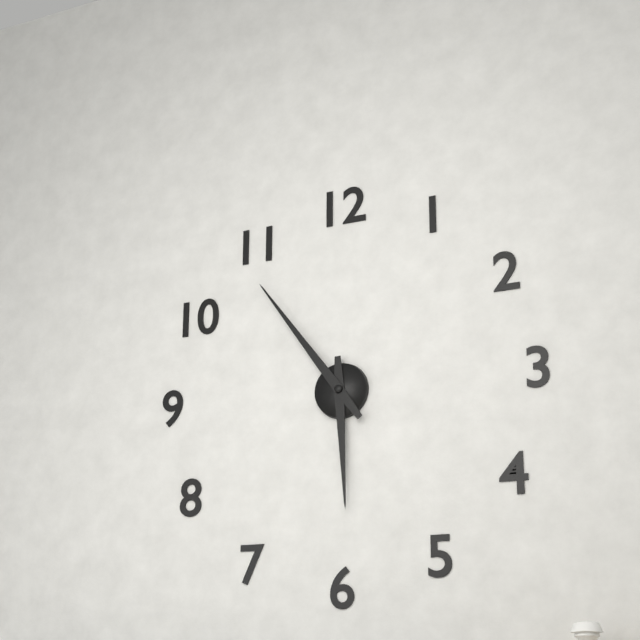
5h54
